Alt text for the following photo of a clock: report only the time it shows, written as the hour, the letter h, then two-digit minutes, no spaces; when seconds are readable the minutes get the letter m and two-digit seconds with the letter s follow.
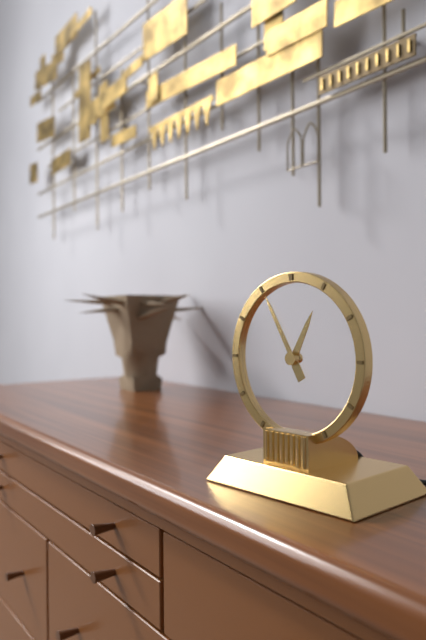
12h55
